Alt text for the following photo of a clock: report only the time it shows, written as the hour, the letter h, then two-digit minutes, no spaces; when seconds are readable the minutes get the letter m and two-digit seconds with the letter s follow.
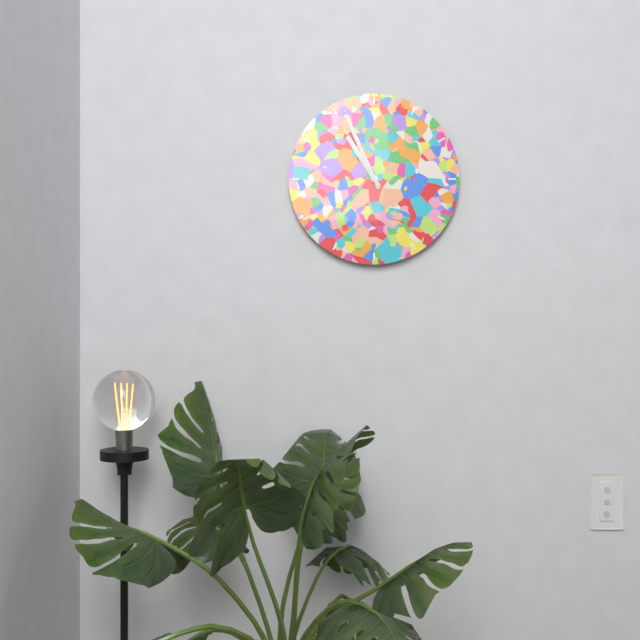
10h56
